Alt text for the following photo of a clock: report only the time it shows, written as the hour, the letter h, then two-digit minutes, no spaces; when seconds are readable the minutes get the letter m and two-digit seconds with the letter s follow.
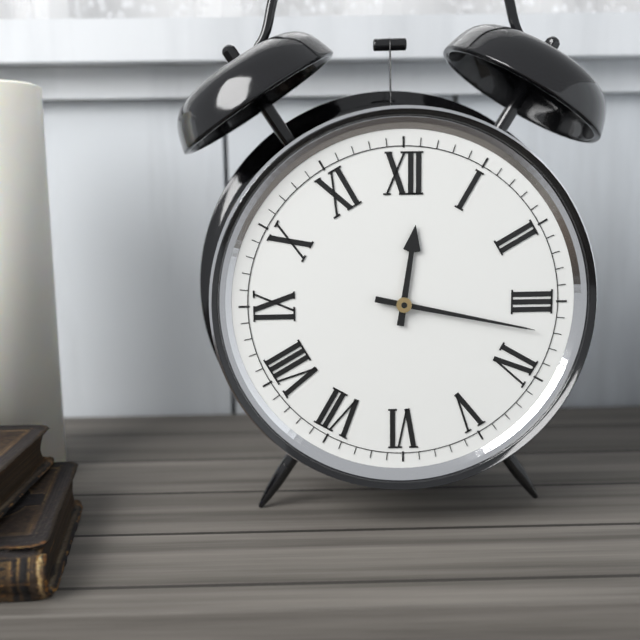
12h17
